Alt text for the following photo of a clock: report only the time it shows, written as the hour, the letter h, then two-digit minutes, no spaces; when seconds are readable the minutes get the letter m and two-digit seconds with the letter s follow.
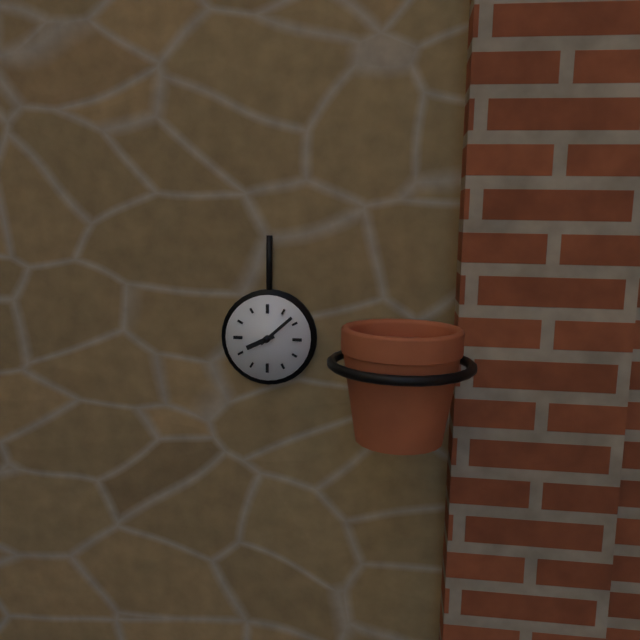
8h08
